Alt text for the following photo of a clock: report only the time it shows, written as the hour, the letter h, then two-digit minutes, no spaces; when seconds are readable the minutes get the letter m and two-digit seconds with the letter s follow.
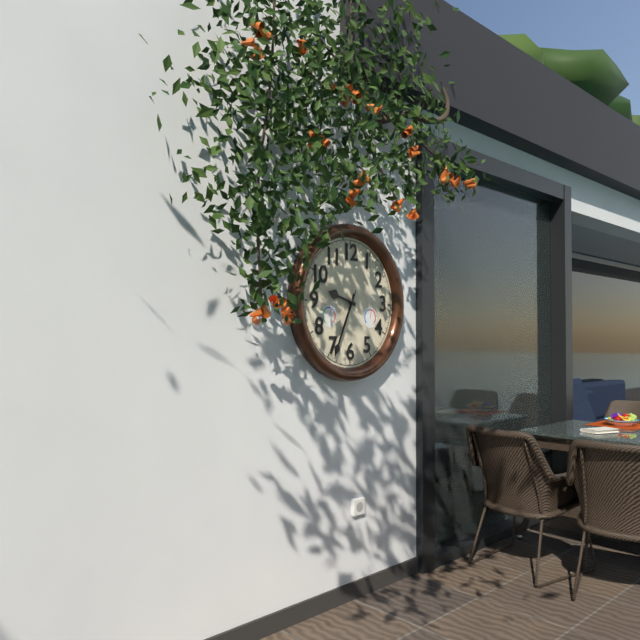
9h34m34s
